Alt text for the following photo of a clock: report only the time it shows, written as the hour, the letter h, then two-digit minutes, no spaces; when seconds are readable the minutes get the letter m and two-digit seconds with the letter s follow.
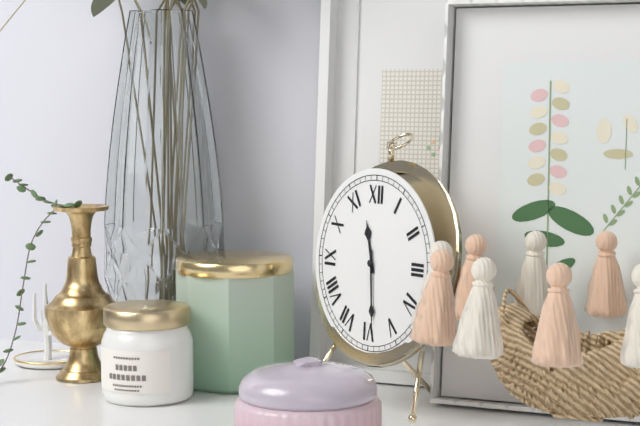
11h29
